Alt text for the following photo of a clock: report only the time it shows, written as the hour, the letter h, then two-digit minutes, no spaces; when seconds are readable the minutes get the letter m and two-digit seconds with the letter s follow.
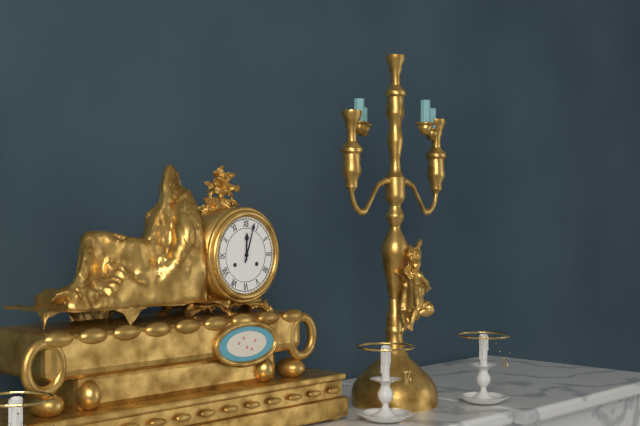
12h03
